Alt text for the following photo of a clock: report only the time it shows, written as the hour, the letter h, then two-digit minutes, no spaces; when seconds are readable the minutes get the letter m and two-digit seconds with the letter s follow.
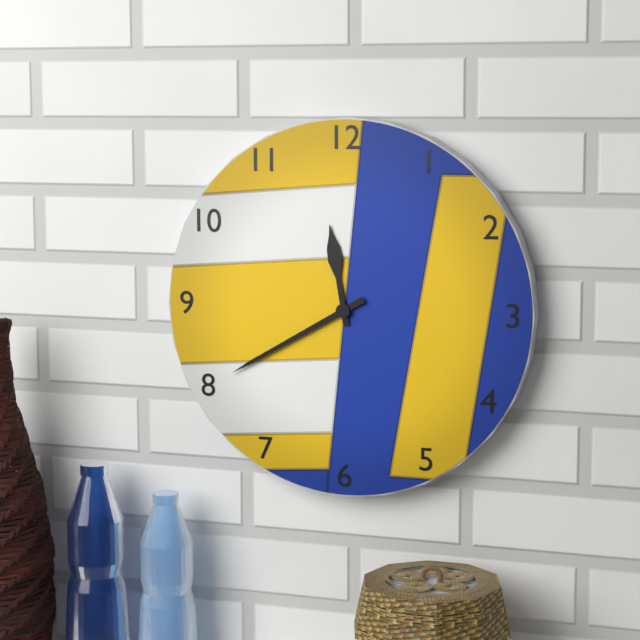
11h40
